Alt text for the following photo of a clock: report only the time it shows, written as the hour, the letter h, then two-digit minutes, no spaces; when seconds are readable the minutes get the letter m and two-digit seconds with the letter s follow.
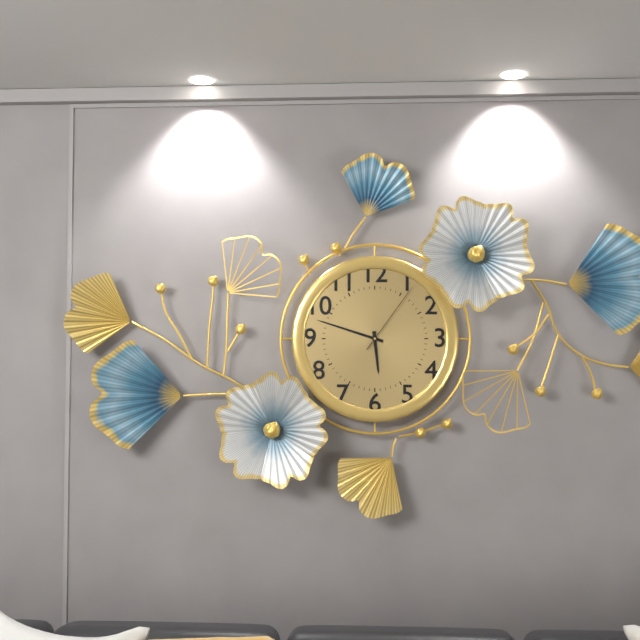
5h48m06s
